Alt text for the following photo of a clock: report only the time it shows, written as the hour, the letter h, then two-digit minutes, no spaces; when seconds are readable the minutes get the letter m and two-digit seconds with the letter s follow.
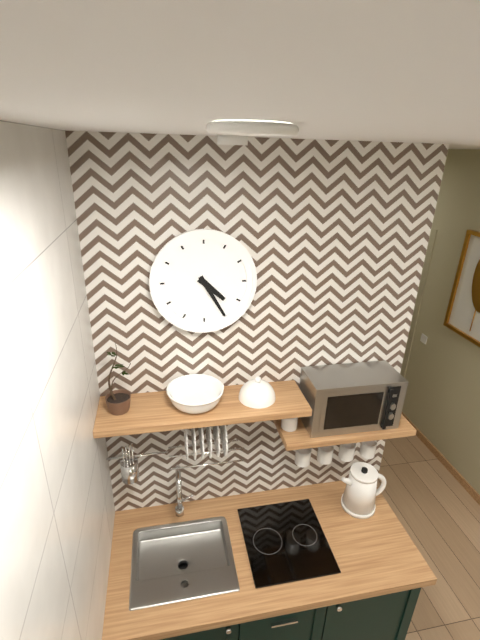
4h25
